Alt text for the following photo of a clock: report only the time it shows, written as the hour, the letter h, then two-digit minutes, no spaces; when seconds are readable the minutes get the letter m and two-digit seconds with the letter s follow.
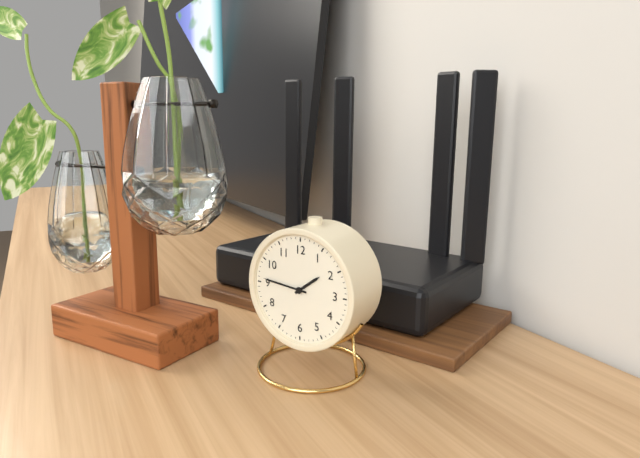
1h46
